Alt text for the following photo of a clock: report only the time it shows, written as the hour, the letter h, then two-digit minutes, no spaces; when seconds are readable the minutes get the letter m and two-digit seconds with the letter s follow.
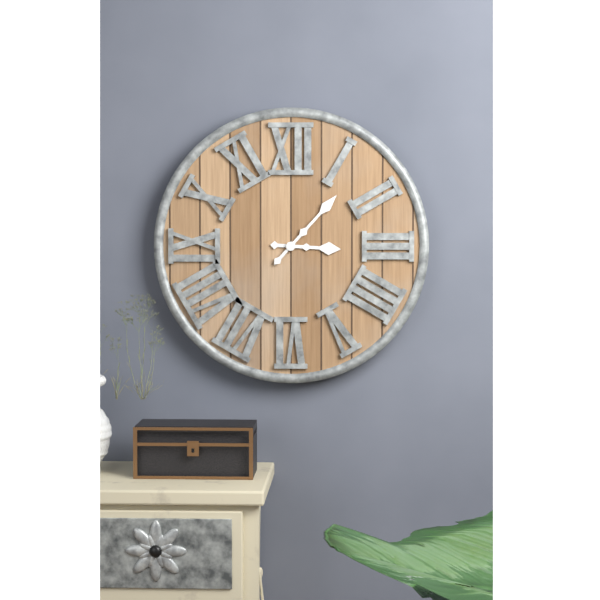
3h07
